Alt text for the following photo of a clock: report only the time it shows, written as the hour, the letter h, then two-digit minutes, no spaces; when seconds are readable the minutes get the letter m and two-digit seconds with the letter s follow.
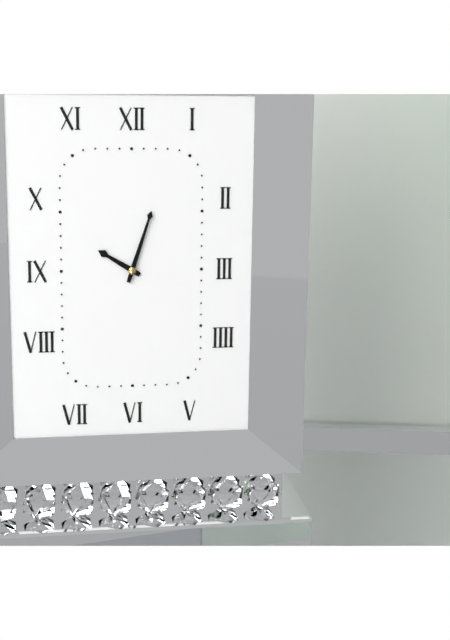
10h03
